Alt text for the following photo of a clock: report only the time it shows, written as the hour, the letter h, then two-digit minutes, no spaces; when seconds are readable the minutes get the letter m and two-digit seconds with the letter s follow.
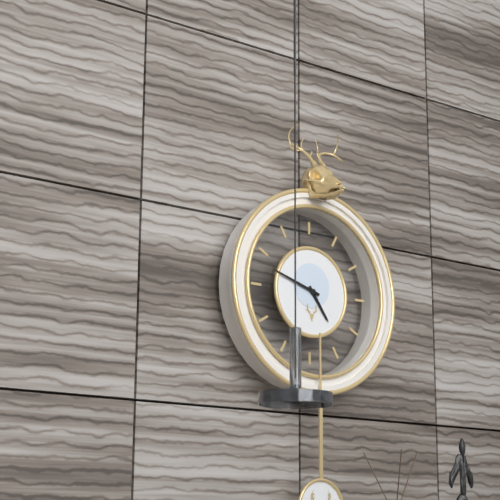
4h48
